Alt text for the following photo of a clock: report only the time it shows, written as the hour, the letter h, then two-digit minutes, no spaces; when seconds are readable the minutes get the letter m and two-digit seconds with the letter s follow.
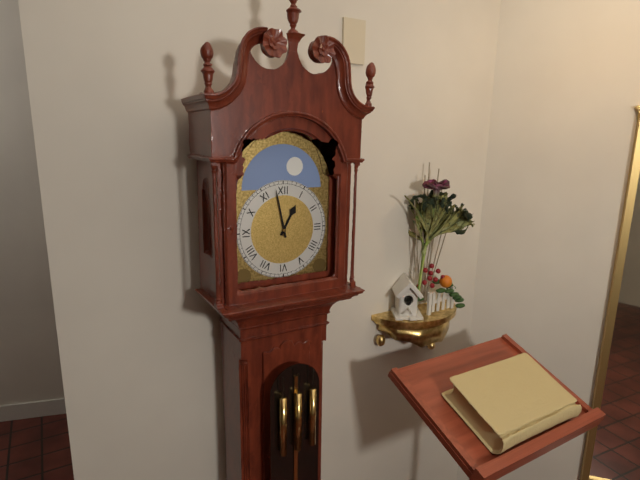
12h58
